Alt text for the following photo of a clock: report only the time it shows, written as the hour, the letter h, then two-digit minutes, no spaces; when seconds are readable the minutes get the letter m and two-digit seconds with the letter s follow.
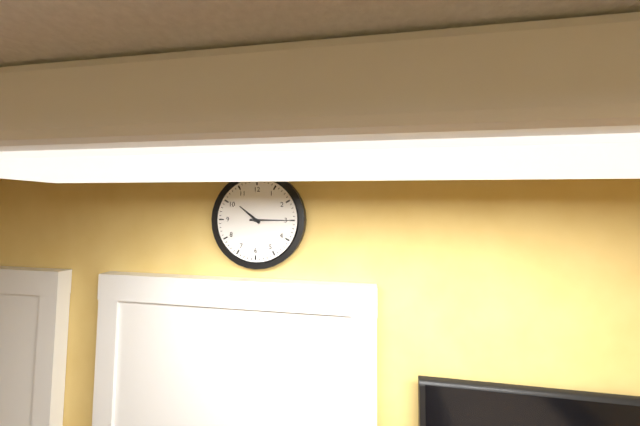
10h15
